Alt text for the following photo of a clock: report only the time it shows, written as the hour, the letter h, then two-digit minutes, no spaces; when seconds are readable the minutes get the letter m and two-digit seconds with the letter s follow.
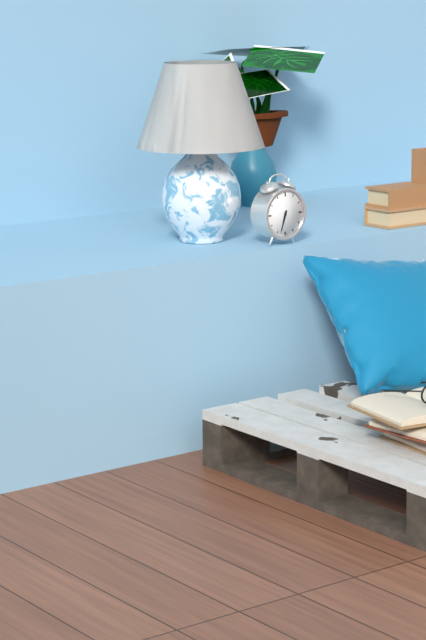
6h33
